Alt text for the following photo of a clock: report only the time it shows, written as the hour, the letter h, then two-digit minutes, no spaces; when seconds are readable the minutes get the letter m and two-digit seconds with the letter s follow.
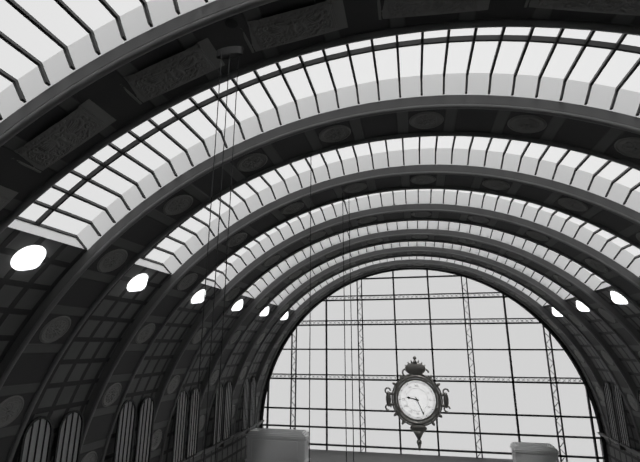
9h26
